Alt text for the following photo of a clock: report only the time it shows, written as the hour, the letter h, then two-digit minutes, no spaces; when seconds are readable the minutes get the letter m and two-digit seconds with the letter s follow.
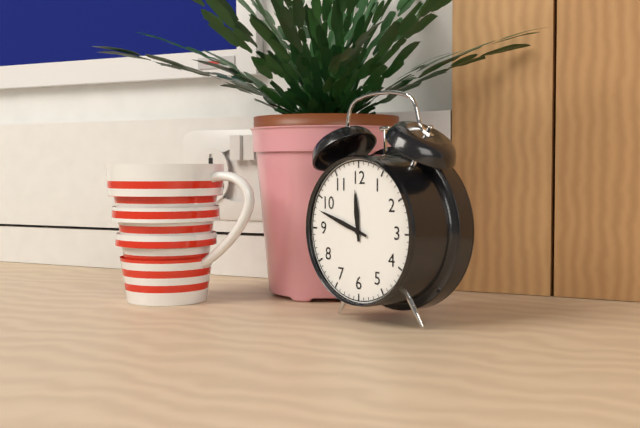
11h48
